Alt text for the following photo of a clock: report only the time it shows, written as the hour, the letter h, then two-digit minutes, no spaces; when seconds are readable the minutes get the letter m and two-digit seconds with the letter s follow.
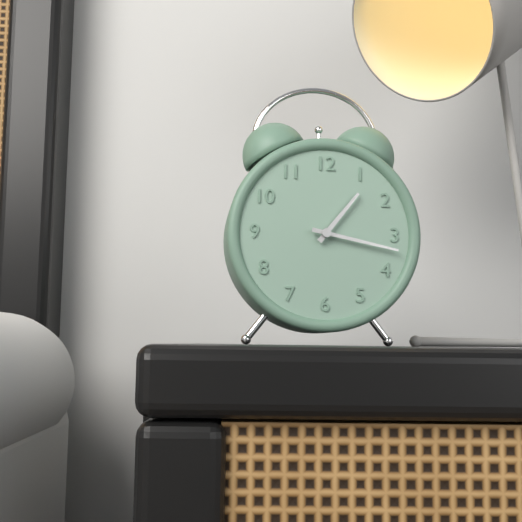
1h17
